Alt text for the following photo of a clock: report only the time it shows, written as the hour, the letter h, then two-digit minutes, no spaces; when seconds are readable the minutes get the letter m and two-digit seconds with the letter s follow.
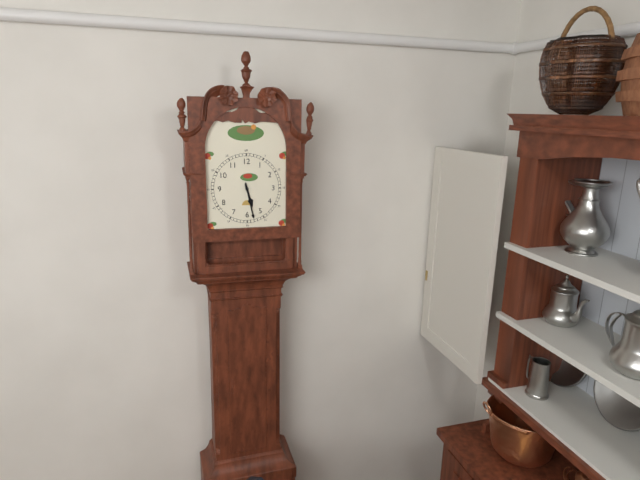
5h28
